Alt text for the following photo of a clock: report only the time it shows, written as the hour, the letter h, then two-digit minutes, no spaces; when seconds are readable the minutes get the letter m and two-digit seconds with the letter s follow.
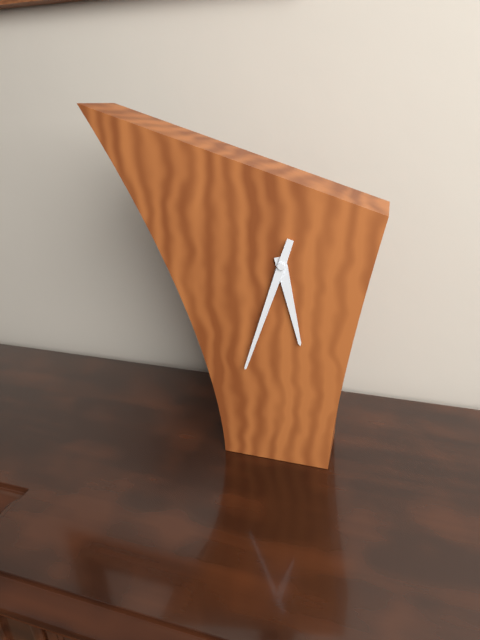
5h33
